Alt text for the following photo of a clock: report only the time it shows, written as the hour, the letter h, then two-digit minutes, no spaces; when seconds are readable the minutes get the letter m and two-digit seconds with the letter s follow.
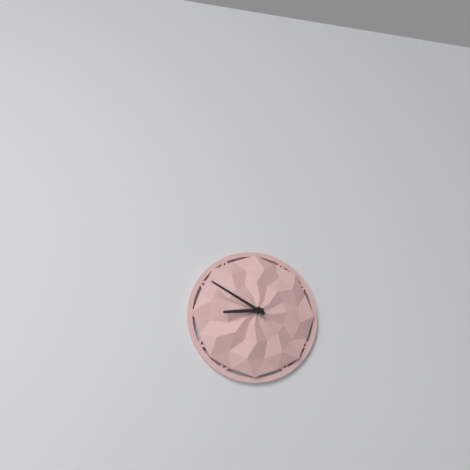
8h50
